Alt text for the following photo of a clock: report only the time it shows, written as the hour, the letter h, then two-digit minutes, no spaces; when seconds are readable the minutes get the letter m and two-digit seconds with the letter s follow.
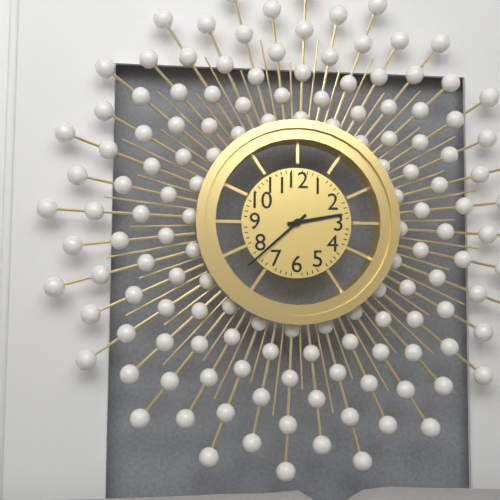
2h38
